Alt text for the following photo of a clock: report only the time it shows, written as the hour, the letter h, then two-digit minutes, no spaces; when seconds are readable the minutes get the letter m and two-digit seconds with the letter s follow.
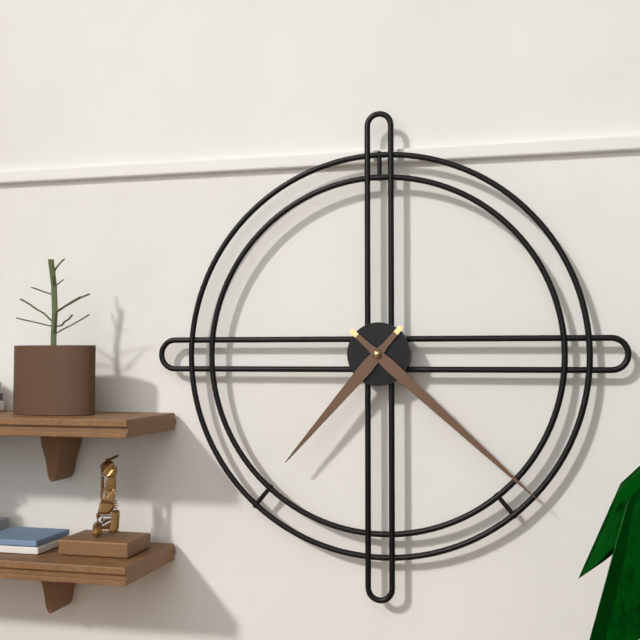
7h22
